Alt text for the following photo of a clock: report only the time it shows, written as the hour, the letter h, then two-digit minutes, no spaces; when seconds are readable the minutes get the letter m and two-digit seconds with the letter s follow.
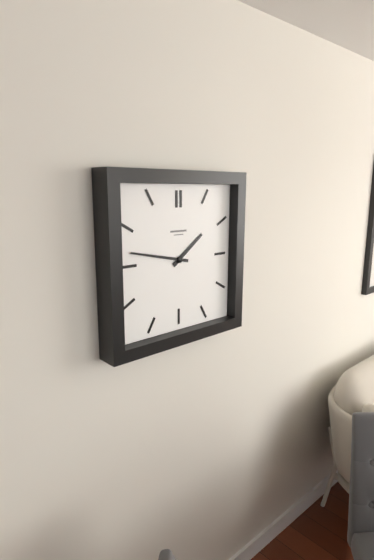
1h47
